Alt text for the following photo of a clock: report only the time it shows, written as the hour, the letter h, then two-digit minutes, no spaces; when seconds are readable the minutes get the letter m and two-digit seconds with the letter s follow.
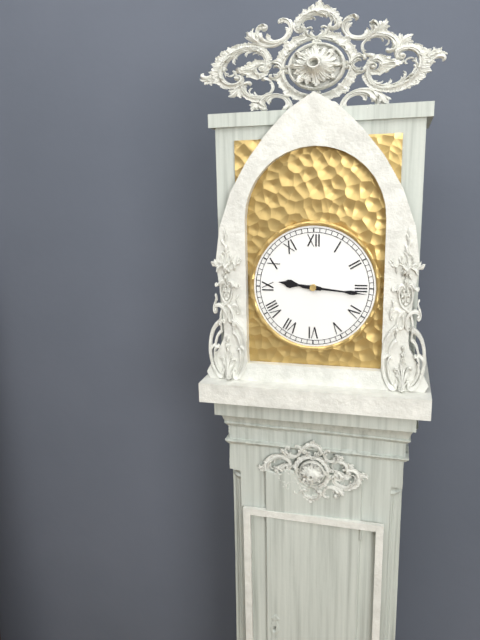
9h16
